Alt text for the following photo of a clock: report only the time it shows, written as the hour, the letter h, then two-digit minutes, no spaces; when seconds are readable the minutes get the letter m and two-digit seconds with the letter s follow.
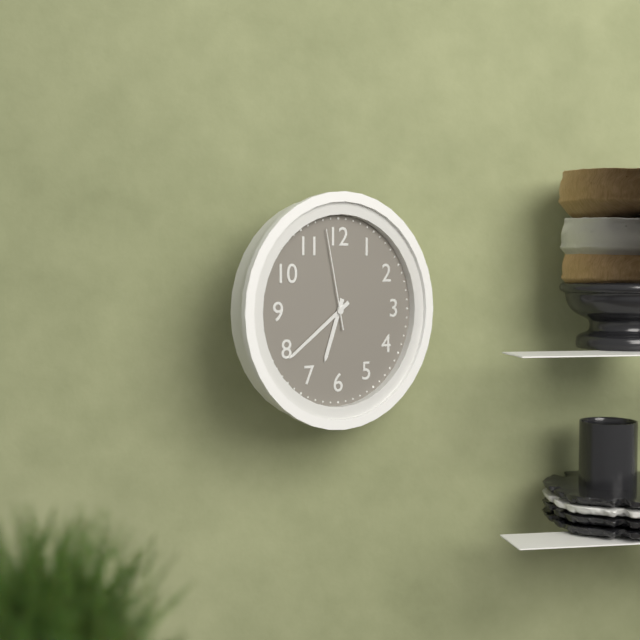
6h39m58s
